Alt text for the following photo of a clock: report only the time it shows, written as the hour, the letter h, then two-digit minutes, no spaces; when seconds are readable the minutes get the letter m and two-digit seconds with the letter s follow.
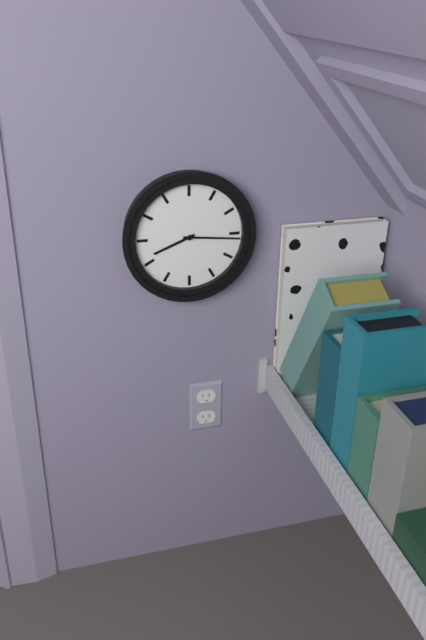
8h16
